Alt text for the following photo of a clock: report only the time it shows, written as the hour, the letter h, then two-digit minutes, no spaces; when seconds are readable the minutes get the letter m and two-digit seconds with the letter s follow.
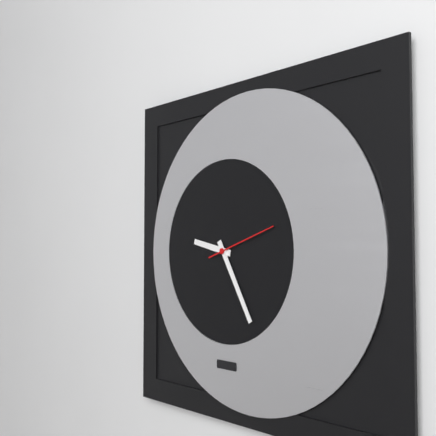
9h25m12s
